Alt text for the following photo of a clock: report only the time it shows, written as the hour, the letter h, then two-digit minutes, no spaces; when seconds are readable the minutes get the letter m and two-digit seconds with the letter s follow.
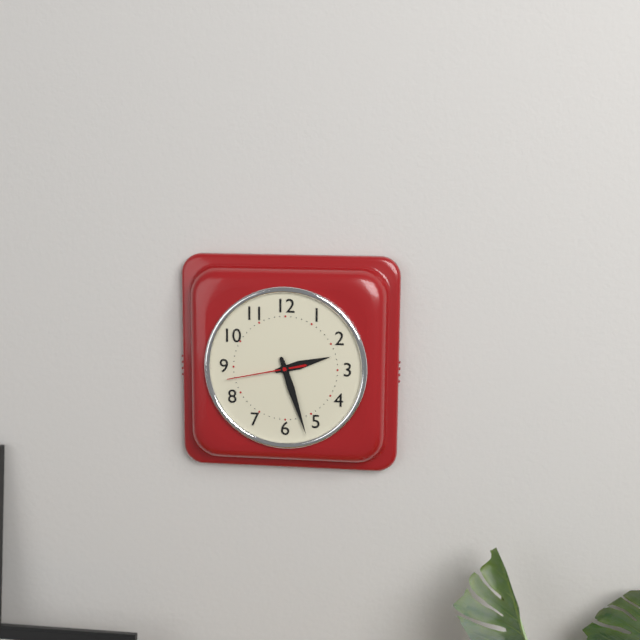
2h27m43s
